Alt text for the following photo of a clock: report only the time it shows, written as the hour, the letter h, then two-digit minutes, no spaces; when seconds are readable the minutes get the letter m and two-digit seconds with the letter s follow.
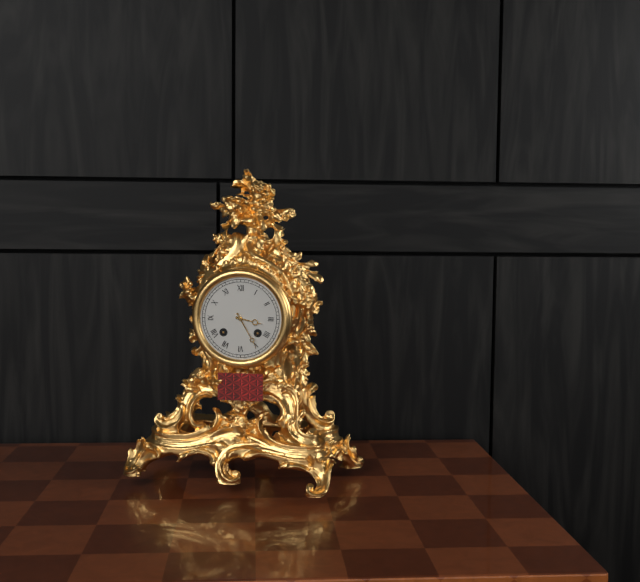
3h25
